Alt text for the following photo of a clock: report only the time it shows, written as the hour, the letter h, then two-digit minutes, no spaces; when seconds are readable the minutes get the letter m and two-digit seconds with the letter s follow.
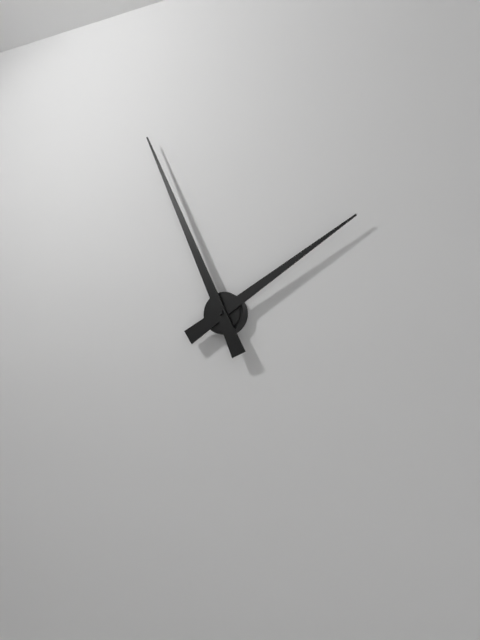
1h56
